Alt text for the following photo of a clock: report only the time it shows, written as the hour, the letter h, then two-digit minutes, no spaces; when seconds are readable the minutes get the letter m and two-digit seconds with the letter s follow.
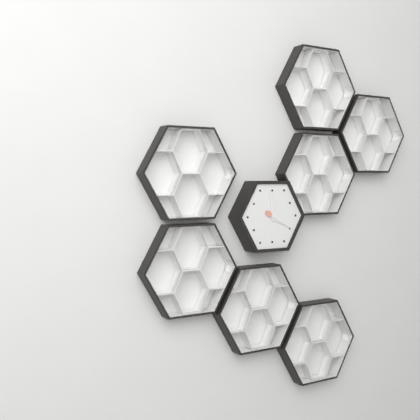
3h59
